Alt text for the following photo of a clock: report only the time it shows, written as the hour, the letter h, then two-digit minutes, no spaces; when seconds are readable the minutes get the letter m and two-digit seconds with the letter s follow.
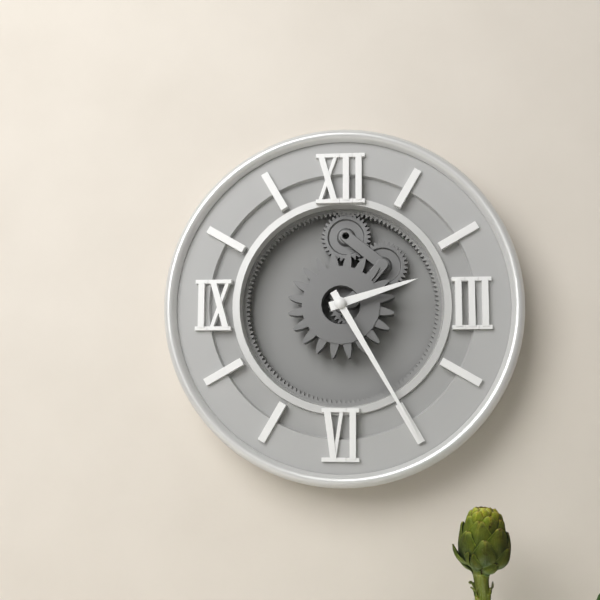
2h25
